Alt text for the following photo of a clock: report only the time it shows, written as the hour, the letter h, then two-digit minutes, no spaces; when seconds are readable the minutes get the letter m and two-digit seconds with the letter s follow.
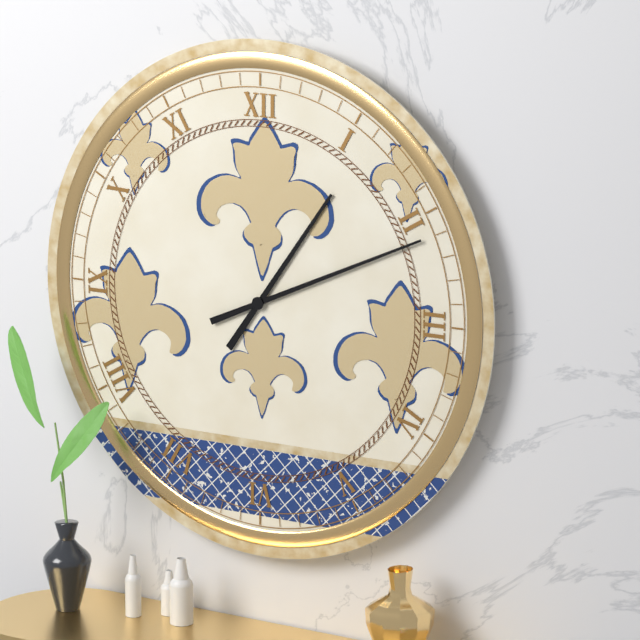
1h11
